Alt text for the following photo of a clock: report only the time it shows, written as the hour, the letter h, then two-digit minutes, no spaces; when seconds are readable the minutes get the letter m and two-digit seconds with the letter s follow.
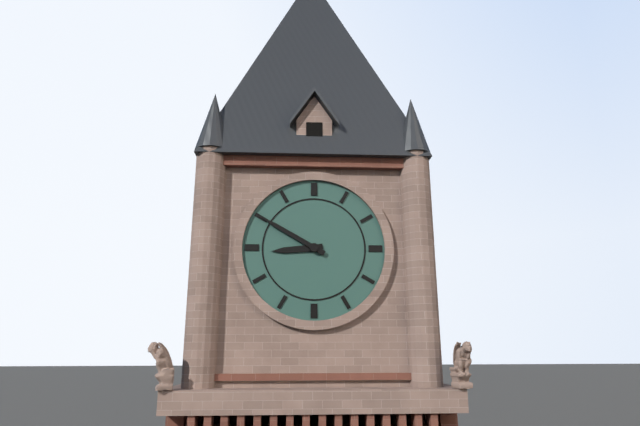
8h50
